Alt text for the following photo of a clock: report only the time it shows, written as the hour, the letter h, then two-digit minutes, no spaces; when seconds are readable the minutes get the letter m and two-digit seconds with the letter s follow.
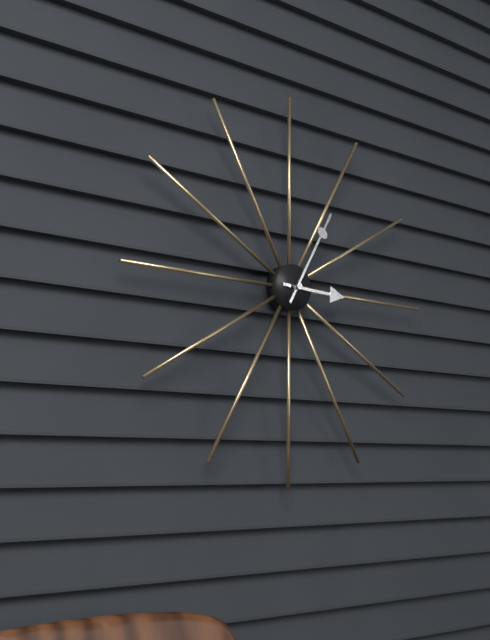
3h05
